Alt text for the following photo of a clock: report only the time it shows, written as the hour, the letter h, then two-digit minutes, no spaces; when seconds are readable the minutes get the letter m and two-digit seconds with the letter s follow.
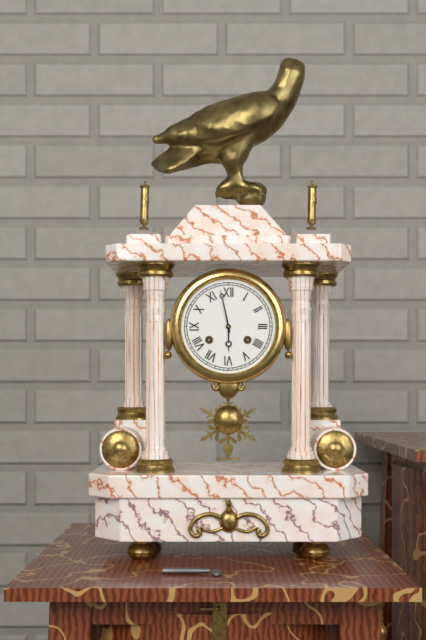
5h58
